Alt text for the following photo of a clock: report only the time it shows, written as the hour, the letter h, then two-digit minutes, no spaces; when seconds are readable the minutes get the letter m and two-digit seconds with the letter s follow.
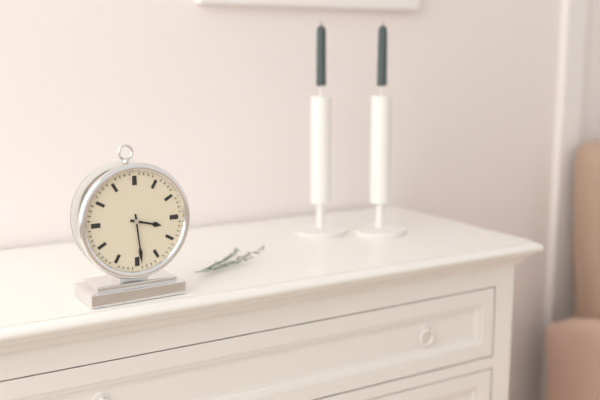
3h29
